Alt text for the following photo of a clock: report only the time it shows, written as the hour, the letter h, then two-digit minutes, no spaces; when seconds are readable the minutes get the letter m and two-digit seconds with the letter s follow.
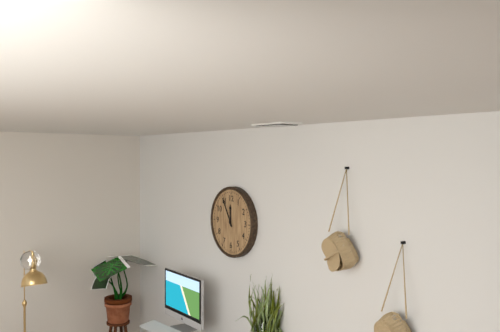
11h55
